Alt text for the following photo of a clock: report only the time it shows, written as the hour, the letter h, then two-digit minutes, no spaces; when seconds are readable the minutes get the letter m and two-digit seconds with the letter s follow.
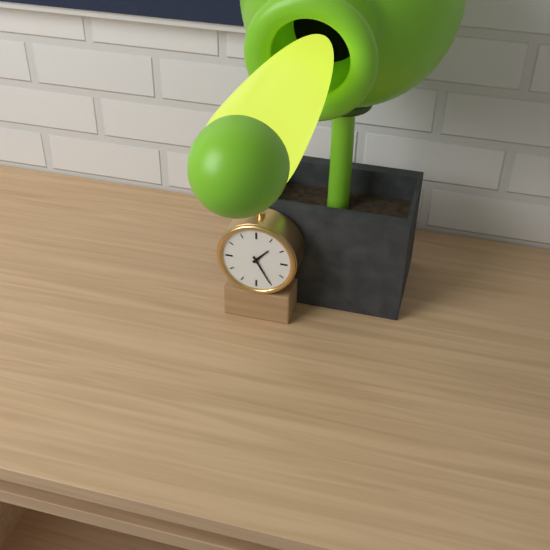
1h25
